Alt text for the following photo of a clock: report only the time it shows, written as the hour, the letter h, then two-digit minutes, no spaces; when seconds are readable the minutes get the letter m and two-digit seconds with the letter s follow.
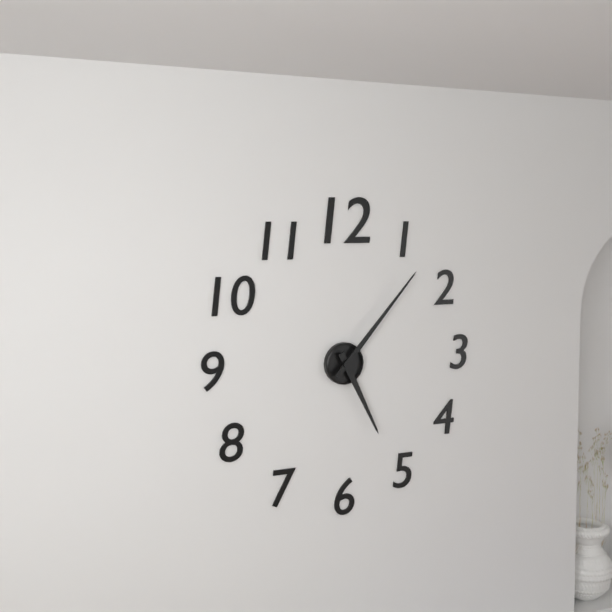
5h07
